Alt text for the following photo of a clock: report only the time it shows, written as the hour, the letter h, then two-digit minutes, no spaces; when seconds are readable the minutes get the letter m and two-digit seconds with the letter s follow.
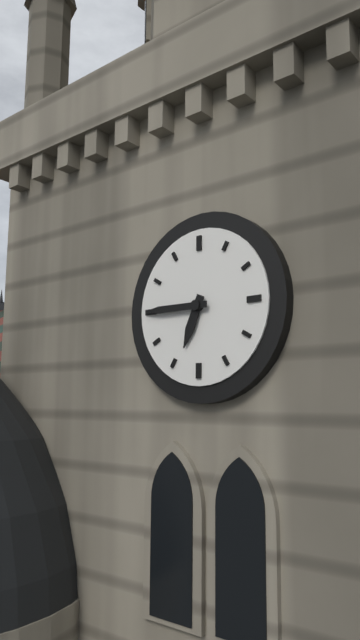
6h45
